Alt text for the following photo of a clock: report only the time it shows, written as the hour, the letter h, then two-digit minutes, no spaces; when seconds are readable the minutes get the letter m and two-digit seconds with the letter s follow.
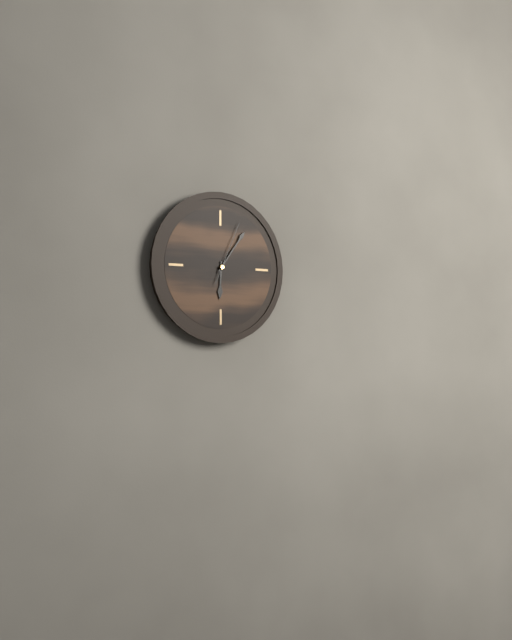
6h06m04s
